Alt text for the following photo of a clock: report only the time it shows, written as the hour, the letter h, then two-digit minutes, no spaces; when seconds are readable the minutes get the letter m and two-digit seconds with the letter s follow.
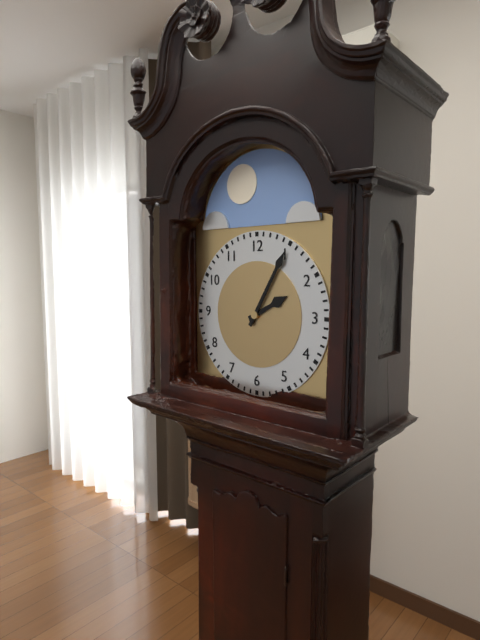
2h05
